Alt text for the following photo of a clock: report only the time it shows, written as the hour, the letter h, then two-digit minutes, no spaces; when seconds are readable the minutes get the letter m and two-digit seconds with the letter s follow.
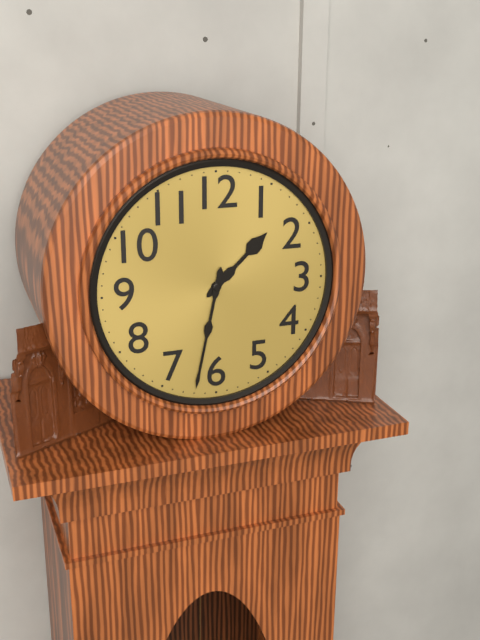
1h32
